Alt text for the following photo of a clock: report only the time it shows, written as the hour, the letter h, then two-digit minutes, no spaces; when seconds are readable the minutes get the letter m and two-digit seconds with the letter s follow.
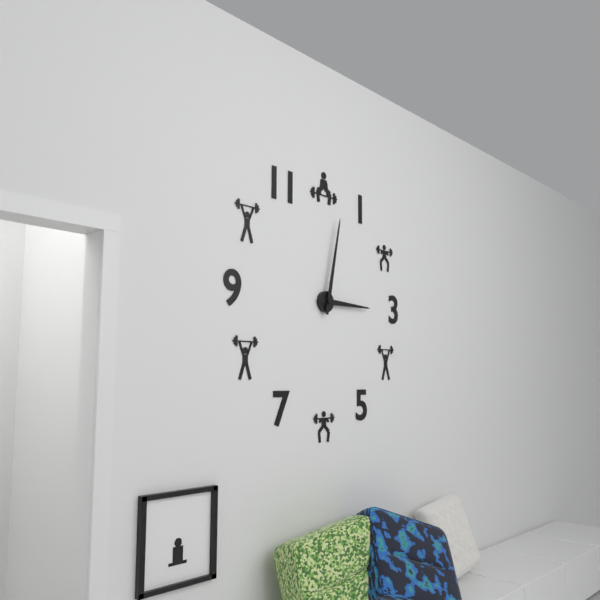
3h02
